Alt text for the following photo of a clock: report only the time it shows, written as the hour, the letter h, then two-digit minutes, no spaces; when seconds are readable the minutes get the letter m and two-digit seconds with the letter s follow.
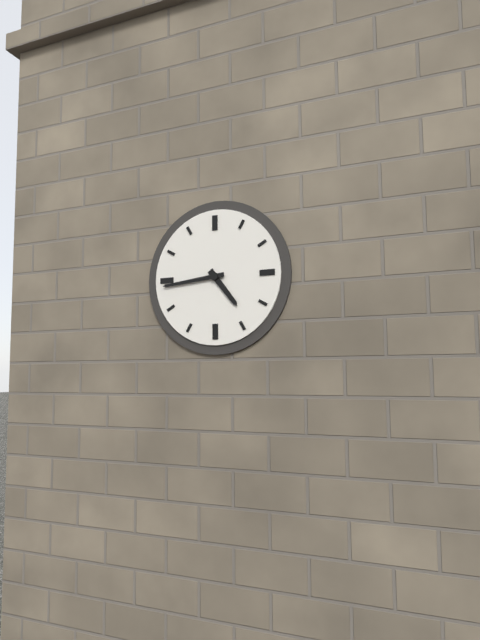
4h44
